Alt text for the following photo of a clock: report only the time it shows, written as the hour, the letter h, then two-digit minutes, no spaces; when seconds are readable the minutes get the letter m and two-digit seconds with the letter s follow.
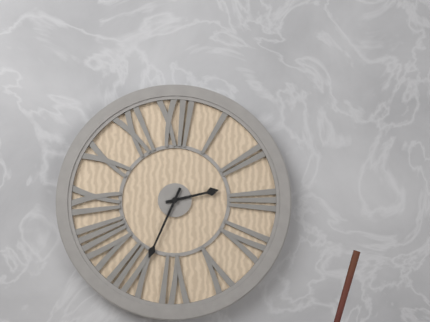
2h34
